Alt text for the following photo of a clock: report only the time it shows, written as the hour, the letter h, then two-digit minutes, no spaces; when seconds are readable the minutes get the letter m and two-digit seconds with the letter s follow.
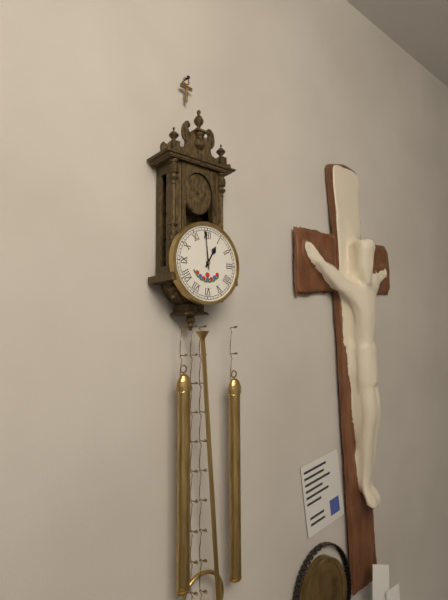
12h59
